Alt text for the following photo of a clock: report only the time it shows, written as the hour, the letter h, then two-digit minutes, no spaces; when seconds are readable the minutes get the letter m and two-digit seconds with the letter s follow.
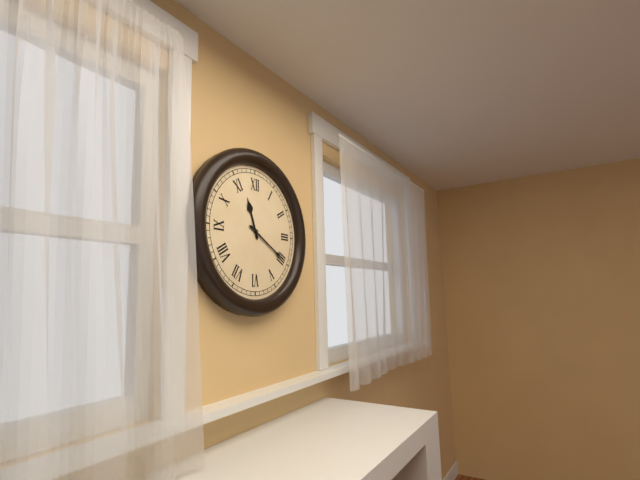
11h20
